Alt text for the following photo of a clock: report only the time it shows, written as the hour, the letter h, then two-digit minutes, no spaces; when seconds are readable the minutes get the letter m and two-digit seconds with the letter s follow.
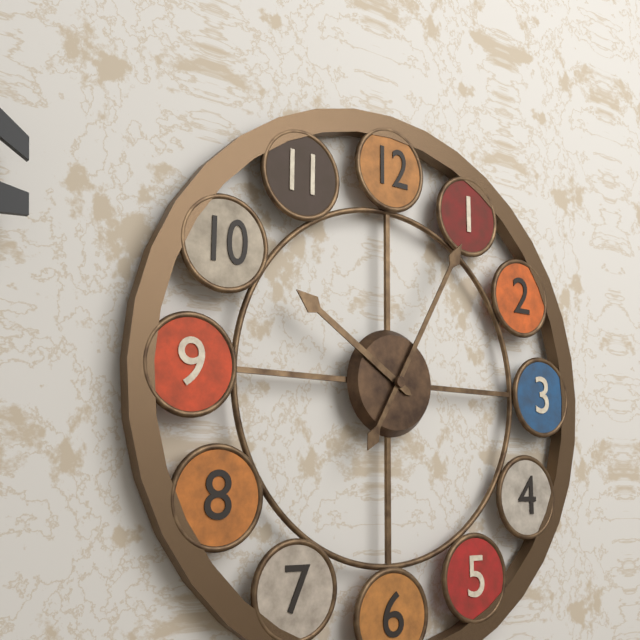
10h05
